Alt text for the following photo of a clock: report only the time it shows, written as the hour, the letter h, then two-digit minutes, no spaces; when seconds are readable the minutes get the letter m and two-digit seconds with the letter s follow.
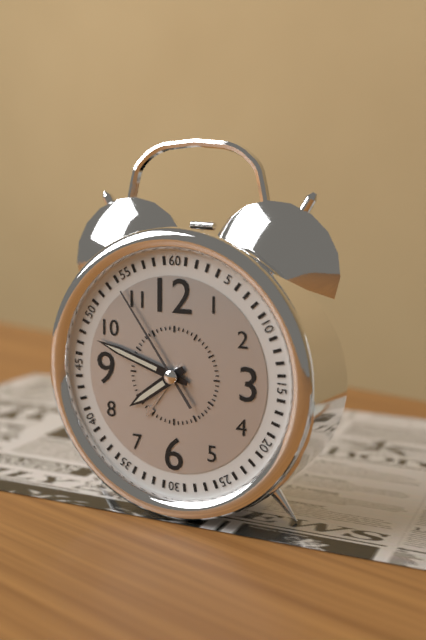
7h48m54s
